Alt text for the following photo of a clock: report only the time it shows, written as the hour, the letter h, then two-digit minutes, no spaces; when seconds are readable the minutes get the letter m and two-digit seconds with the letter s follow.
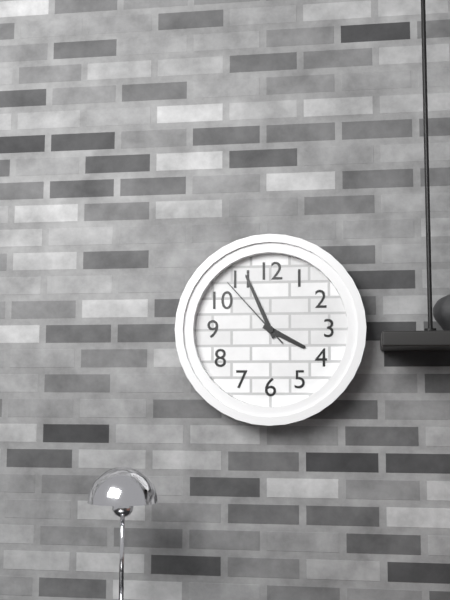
3h56m53s
